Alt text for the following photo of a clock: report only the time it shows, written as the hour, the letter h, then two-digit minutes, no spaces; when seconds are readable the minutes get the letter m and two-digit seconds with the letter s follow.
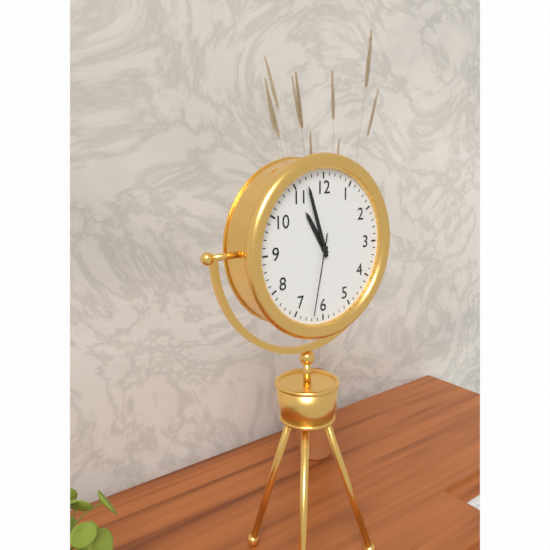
10h57m32s
